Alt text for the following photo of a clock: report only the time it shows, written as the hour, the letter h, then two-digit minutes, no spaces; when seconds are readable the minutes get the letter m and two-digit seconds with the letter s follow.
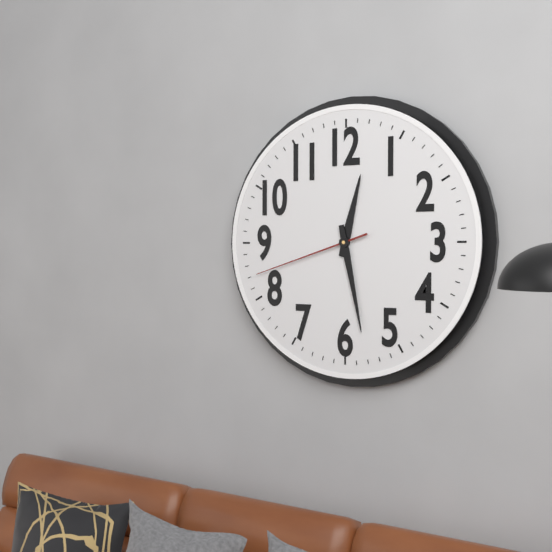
12h28m42s
